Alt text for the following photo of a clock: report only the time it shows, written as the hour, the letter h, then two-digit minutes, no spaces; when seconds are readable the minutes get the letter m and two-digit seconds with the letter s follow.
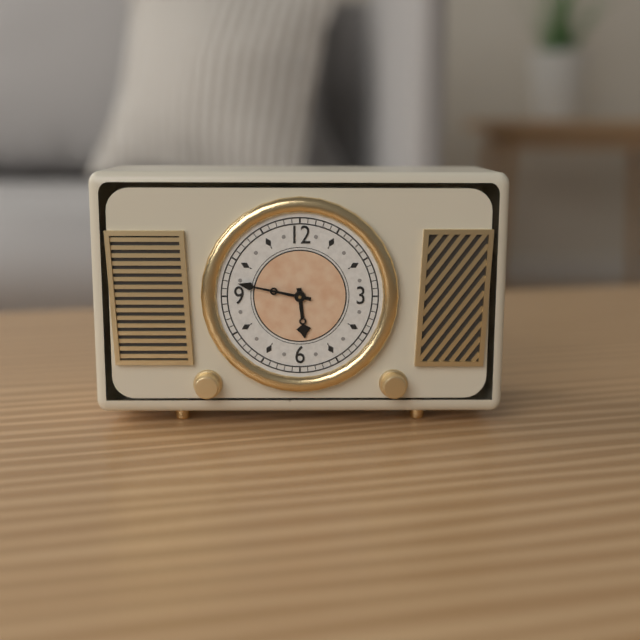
5h47
